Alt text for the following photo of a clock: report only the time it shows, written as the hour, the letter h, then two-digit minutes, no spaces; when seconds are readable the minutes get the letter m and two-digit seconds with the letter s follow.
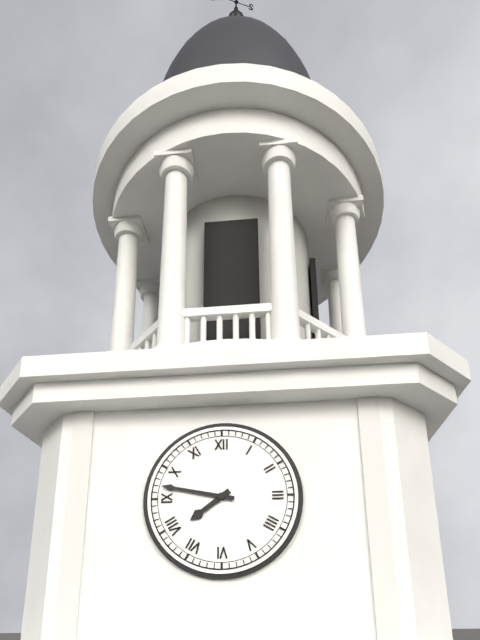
7h47
